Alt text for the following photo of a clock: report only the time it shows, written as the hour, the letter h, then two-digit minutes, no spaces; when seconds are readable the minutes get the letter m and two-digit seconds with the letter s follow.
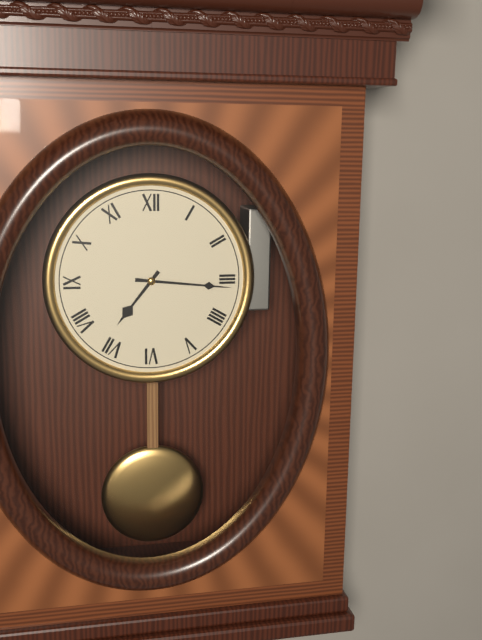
7h16
